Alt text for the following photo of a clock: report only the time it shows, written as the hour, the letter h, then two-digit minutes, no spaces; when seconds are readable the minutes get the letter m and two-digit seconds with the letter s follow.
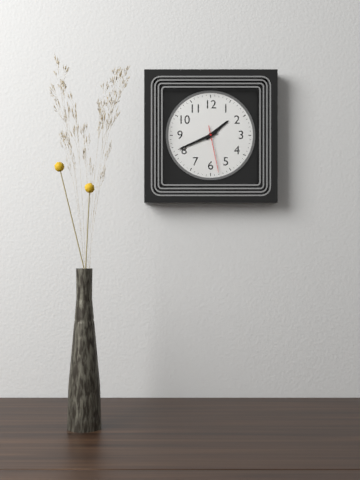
1h41
